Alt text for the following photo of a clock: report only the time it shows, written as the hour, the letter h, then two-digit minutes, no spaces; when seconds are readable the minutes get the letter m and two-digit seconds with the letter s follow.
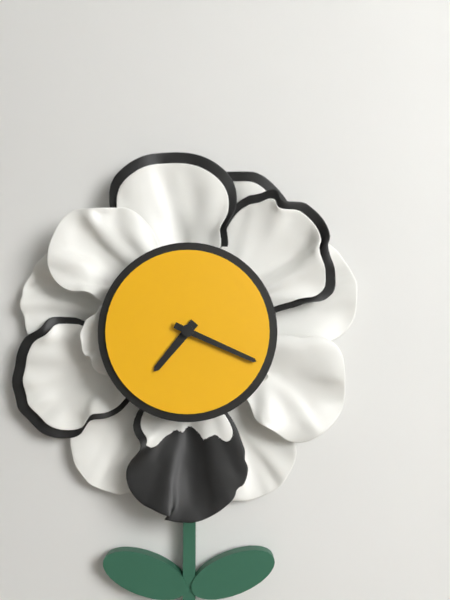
7h19
